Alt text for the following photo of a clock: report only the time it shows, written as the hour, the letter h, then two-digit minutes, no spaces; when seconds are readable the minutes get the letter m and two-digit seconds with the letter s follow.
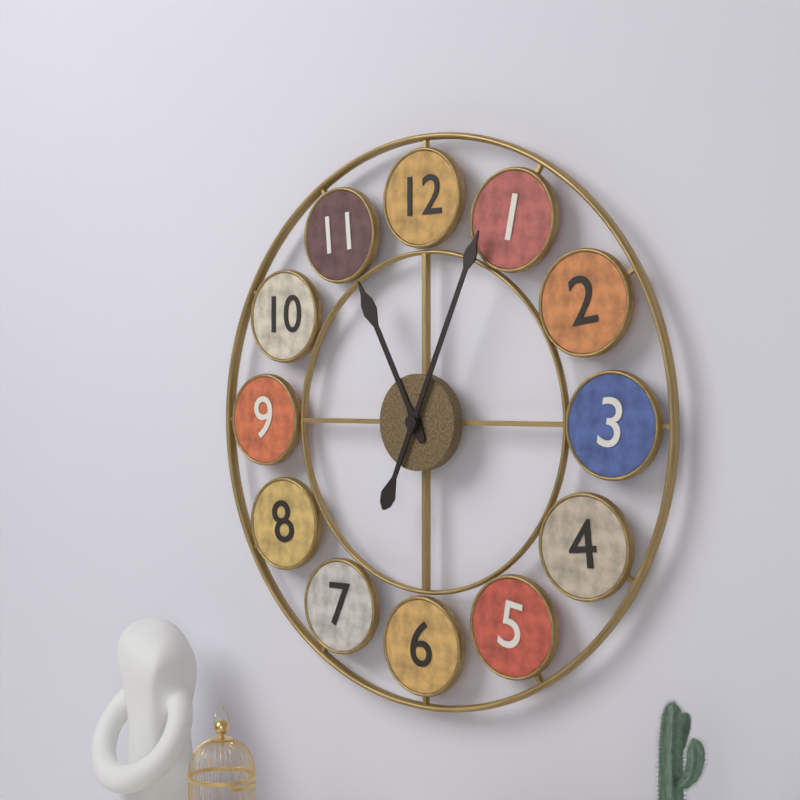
11h04
